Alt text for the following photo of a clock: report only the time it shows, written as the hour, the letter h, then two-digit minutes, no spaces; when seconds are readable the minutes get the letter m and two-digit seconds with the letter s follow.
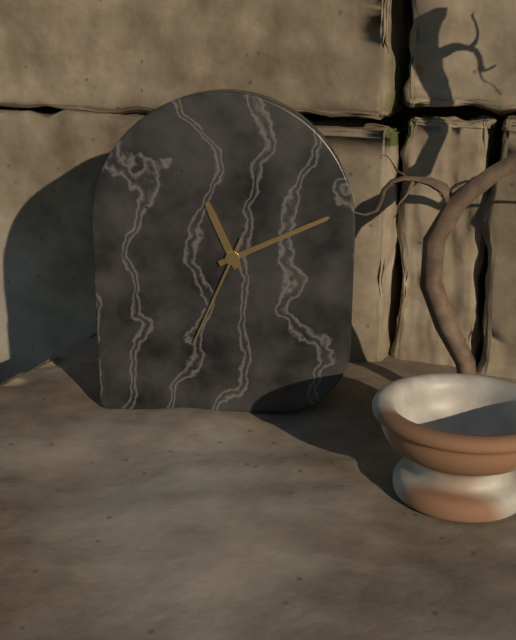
11h11m34s
